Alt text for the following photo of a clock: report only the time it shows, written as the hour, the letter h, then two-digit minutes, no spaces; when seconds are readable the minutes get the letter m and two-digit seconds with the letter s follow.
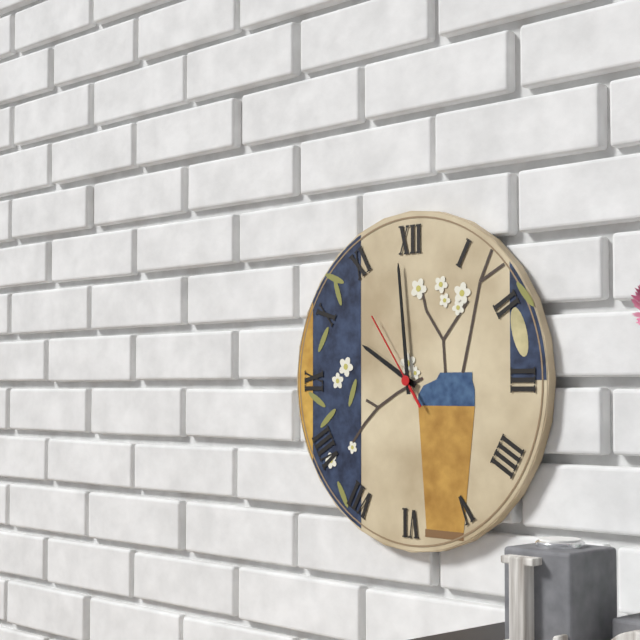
9h59m54s
